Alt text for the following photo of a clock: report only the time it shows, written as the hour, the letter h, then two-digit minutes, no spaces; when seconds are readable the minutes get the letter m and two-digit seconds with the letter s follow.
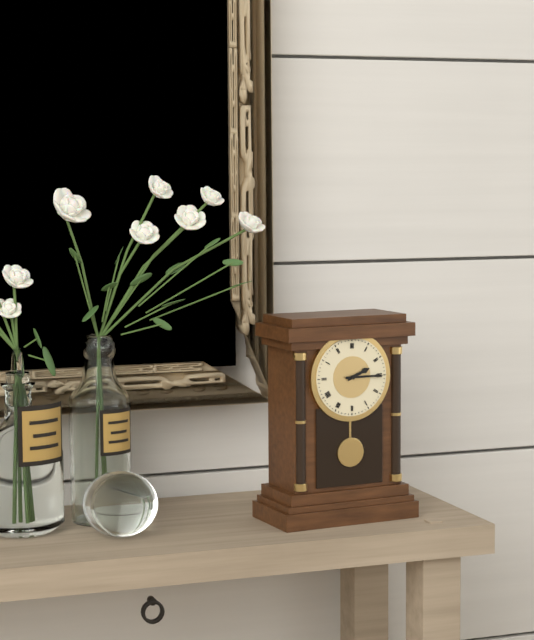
2h15
